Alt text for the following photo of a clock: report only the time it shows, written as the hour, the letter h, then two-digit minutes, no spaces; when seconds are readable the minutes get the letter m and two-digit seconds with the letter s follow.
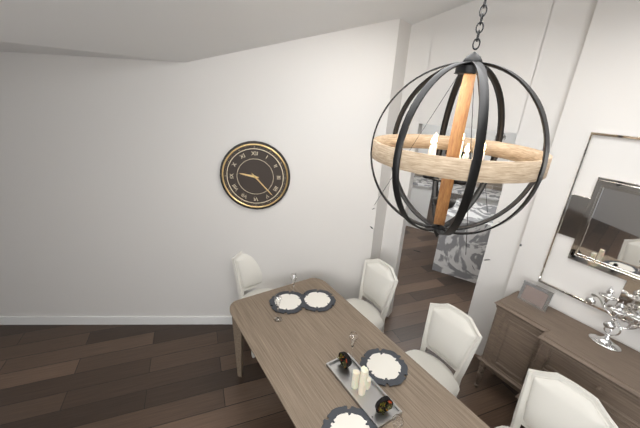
9h23
